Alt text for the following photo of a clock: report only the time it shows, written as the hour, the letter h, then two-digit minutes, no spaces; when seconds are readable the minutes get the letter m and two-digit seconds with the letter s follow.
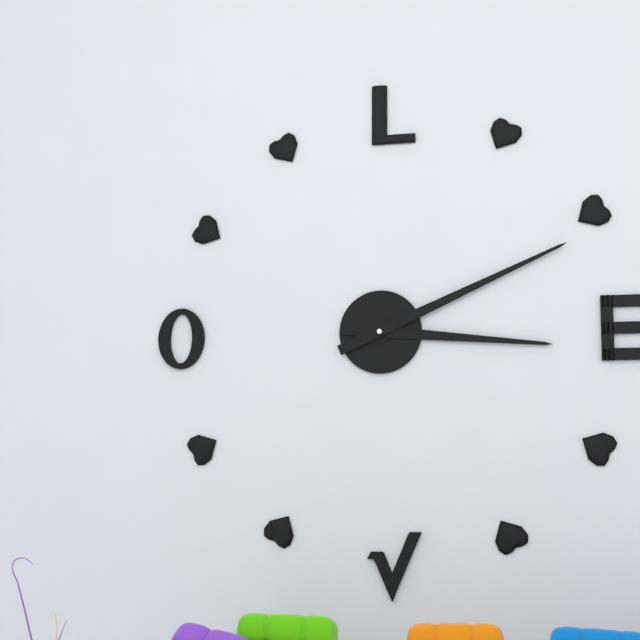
3h11
